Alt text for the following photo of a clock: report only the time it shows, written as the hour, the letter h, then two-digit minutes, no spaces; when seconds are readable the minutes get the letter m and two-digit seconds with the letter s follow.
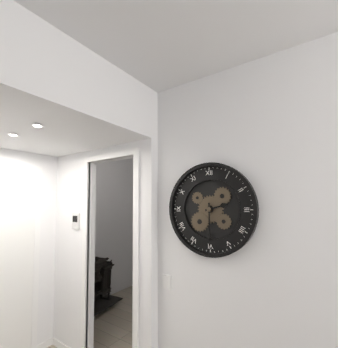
2h30
